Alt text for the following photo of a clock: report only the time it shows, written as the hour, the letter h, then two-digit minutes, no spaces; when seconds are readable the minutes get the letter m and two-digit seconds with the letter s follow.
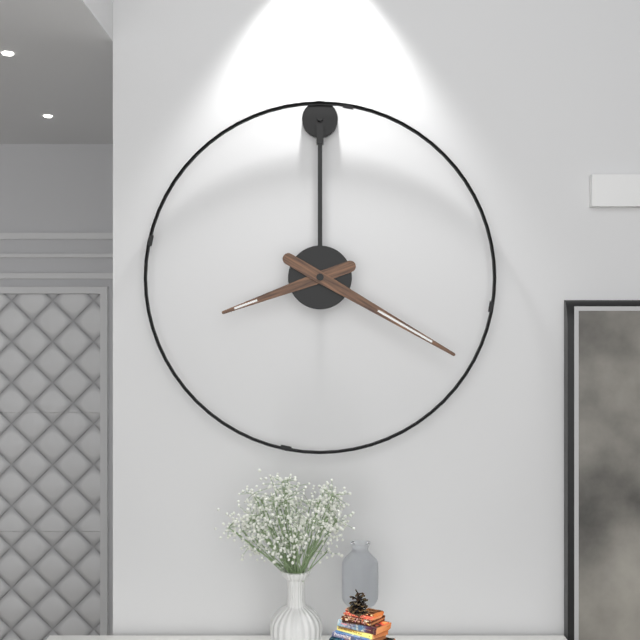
8h20
